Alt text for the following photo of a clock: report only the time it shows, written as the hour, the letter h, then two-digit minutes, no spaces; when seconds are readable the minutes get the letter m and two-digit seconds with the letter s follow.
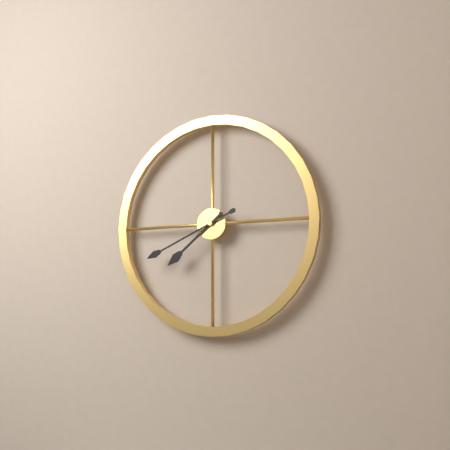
7h41
